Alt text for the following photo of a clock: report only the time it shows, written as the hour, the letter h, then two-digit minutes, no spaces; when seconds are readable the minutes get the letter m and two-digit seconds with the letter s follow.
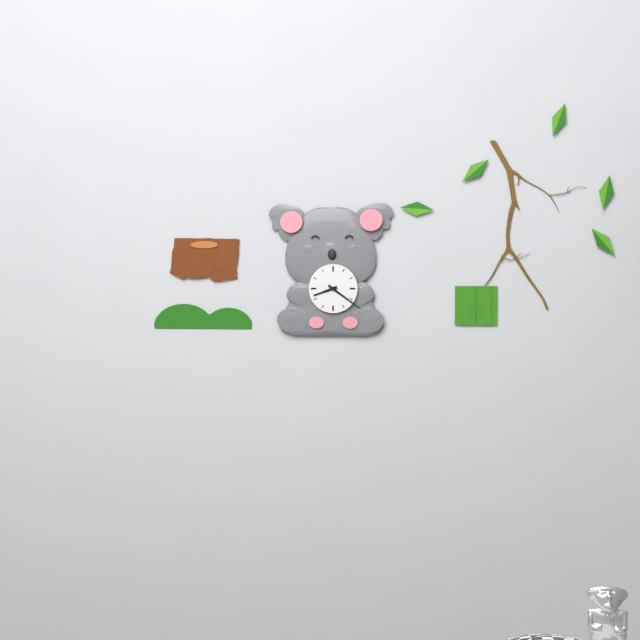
8h21
